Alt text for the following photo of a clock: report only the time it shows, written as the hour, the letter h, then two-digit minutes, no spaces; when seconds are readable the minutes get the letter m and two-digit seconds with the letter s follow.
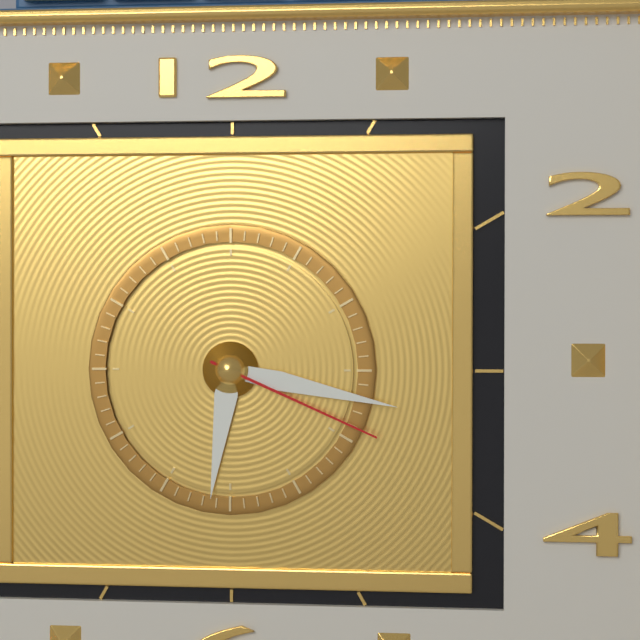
6h17m19s
